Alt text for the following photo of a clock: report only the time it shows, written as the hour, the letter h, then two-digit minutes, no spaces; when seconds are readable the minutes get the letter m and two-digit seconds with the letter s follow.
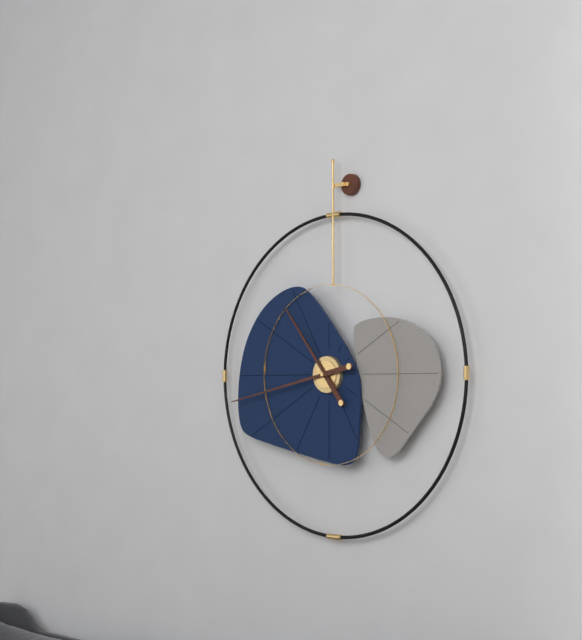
10h43
